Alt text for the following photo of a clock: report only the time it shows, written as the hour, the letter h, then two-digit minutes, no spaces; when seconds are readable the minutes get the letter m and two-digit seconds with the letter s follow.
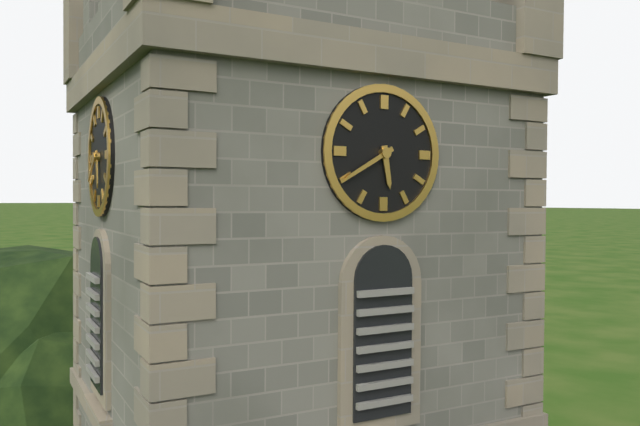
5h40
